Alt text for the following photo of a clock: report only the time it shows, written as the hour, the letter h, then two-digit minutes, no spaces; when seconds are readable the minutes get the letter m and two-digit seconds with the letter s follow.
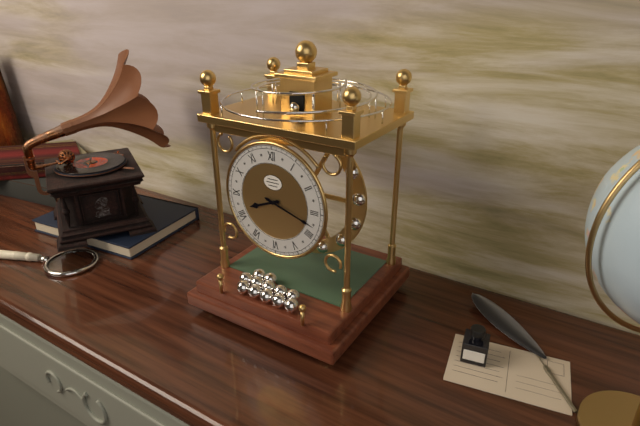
8h18
